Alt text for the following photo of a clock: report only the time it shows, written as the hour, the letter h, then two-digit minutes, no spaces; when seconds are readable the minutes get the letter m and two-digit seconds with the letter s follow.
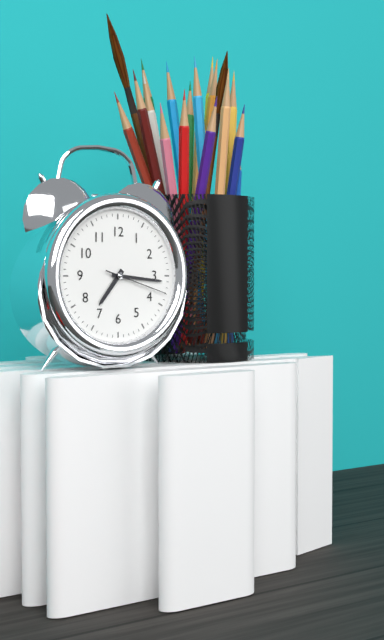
7h16m18s
